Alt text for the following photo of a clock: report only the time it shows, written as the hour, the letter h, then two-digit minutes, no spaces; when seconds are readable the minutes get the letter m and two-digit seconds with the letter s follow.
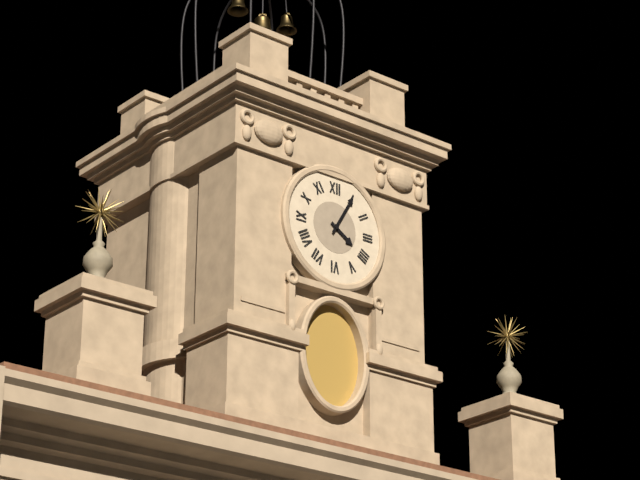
4h05
